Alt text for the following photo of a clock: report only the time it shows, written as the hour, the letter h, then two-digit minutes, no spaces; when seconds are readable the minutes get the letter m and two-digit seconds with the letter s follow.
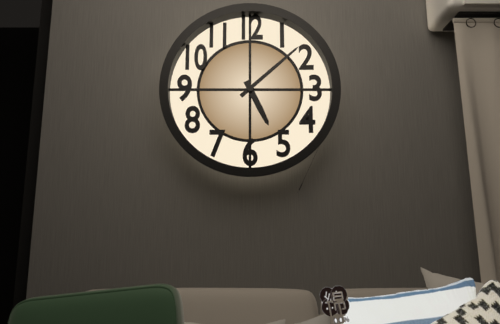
5h08
